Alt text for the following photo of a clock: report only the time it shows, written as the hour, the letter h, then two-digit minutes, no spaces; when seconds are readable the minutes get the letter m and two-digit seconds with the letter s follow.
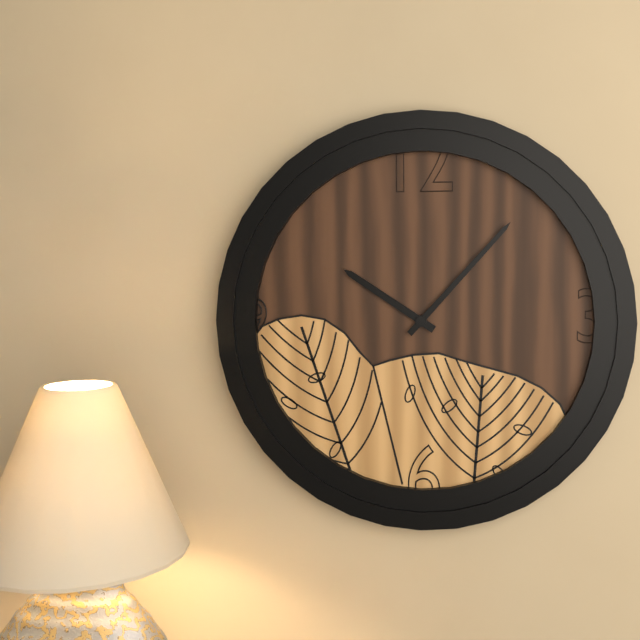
10h07
